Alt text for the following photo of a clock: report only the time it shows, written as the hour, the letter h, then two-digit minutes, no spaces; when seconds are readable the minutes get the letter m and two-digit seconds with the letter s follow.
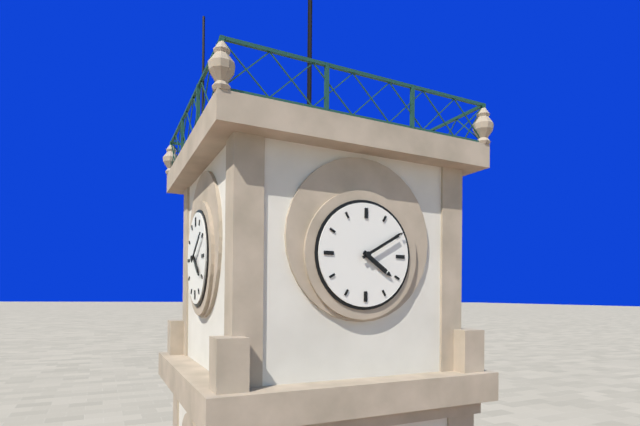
4h10
